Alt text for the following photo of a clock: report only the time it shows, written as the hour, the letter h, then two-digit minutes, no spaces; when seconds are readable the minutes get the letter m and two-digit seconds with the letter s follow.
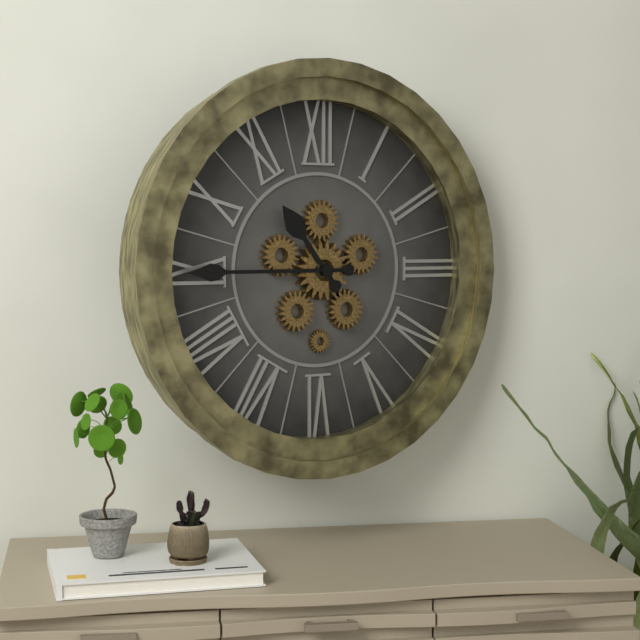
10h45
